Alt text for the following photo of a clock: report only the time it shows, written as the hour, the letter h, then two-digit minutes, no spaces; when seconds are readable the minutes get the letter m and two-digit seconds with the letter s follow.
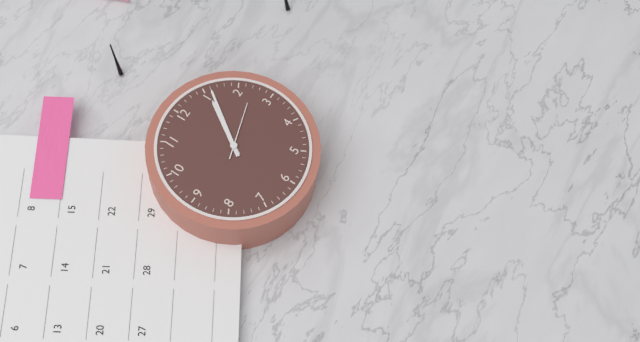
1h06m12s
